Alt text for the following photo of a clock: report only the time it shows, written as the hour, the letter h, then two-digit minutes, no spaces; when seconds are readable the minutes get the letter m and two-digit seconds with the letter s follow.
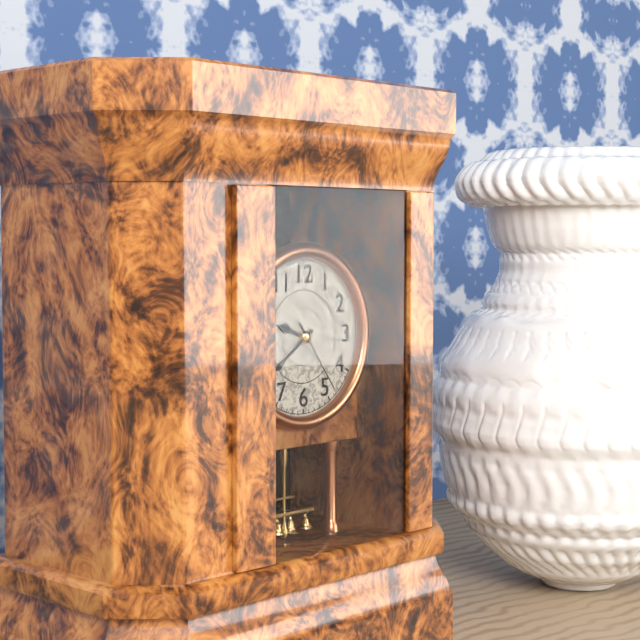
9h39m24s
